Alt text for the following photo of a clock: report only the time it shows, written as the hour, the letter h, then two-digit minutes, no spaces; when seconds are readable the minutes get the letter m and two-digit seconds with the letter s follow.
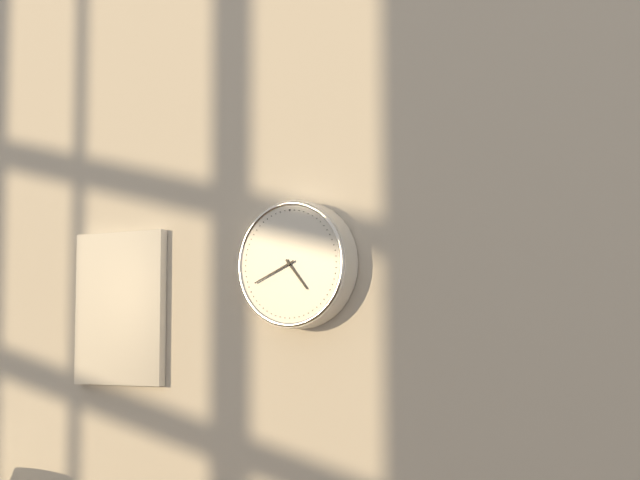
4h41
